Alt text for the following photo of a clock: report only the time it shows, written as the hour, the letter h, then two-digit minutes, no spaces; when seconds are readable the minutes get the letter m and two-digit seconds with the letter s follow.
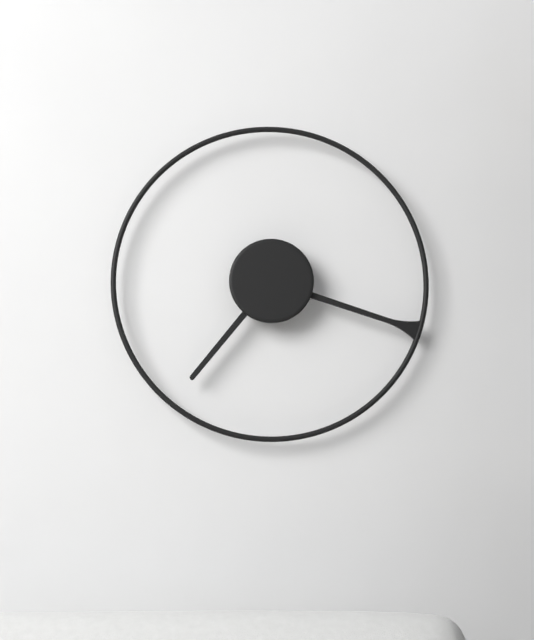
7h18
